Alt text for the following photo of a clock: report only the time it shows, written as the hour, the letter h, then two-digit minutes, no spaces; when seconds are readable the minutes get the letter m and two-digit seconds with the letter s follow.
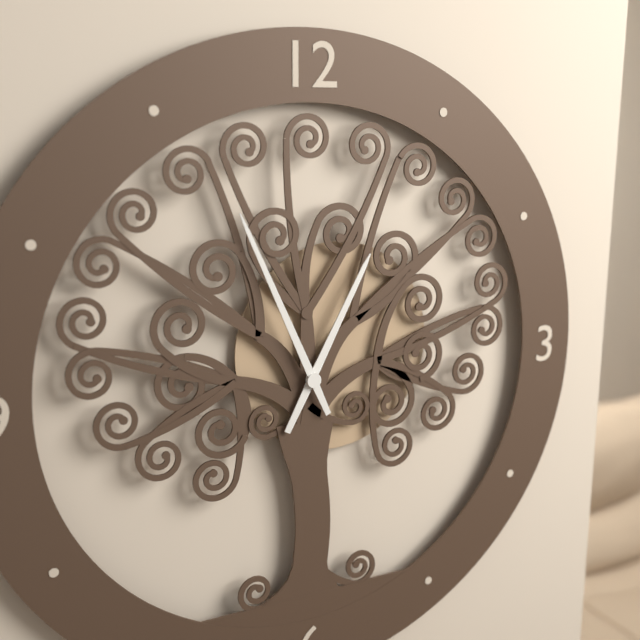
12h56
